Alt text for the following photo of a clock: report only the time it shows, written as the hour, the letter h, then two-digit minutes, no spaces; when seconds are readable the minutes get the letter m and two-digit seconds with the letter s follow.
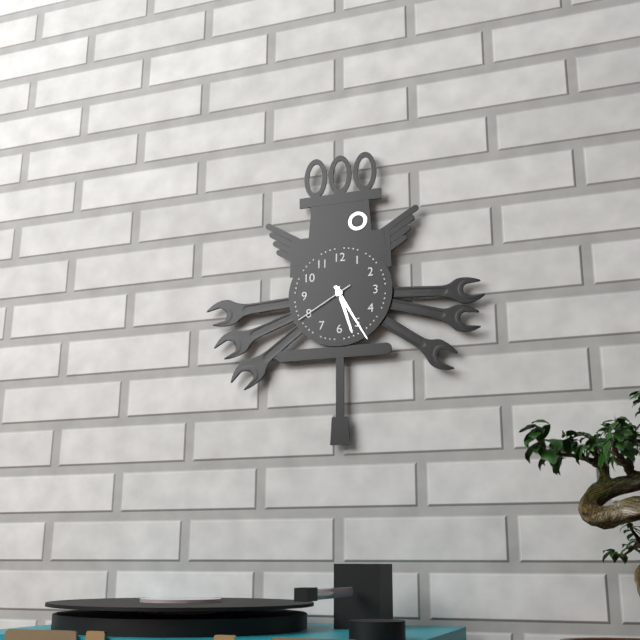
5h25m40s
